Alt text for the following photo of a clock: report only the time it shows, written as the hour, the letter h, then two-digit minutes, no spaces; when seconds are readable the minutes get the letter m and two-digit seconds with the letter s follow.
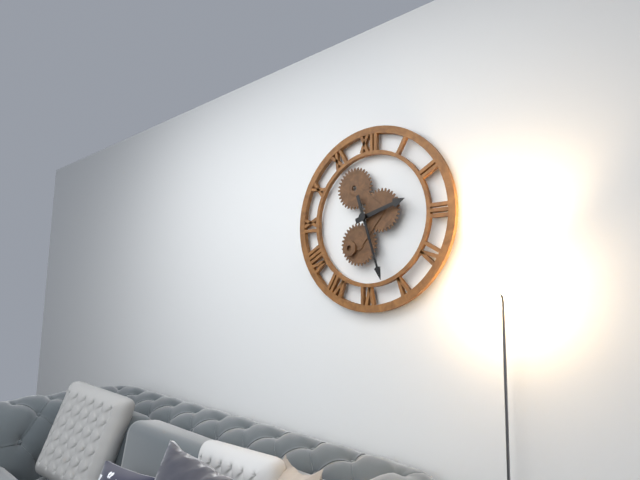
2h27
